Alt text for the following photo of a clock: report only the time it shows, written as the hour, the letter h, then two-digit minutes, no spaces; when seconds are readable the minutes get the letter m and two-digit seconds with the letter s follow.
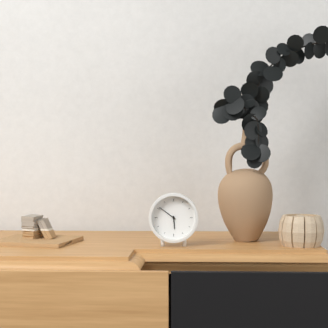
5h51
